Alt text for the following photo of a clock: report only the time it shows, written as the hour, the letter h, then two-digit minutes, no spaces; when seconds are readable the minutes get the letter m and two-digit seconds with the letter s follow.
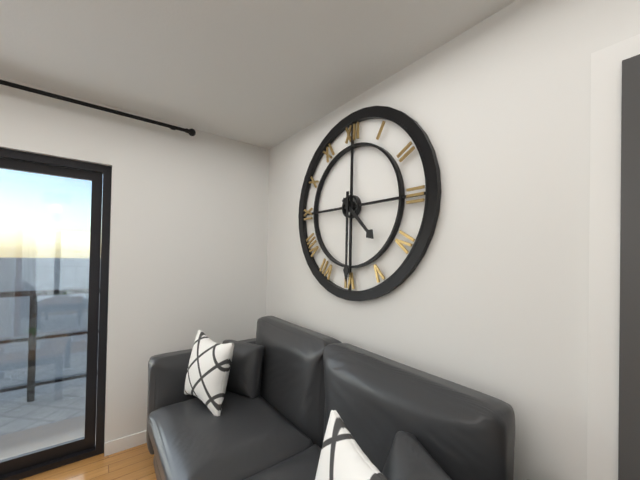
4h30
